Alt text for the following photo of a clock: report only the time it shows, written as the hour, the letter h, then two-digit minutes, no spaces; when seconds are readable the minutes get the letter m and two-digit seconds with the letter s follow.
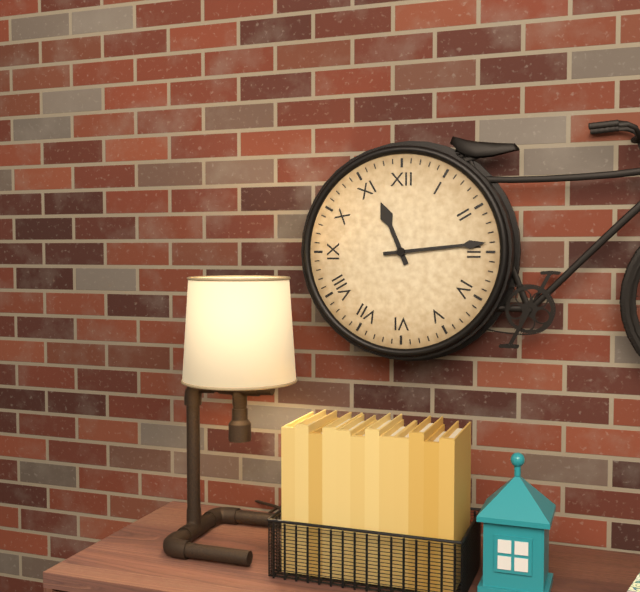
11h14
